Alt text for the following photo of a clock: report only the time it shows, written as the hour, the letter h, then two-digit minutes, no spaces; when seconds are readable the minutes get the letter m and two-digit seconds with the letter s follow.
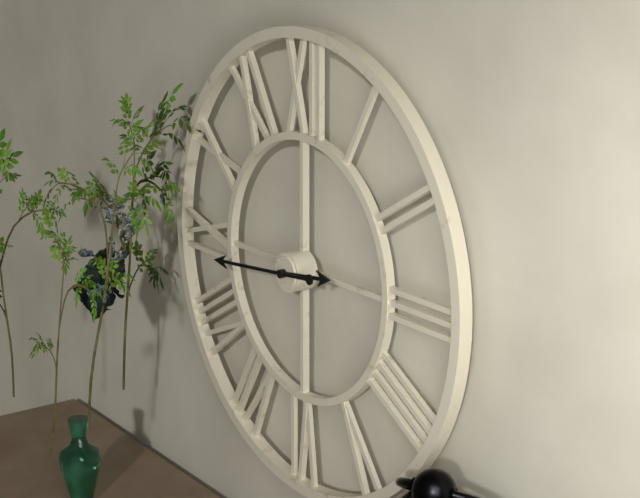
2h44
